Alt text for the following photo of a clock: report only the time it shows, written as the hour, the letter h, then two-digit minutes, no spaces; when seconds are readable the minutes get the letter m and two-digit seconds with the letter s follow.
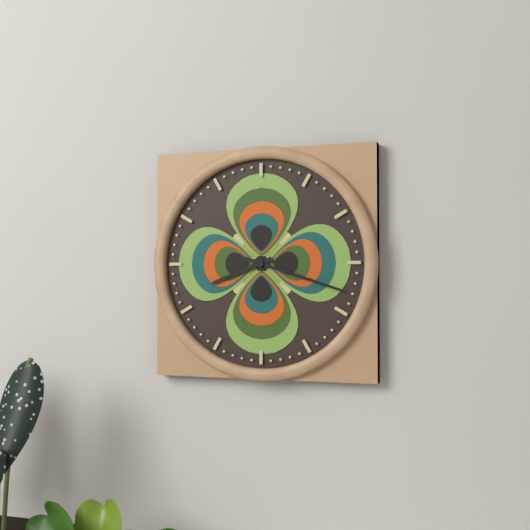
8h18
